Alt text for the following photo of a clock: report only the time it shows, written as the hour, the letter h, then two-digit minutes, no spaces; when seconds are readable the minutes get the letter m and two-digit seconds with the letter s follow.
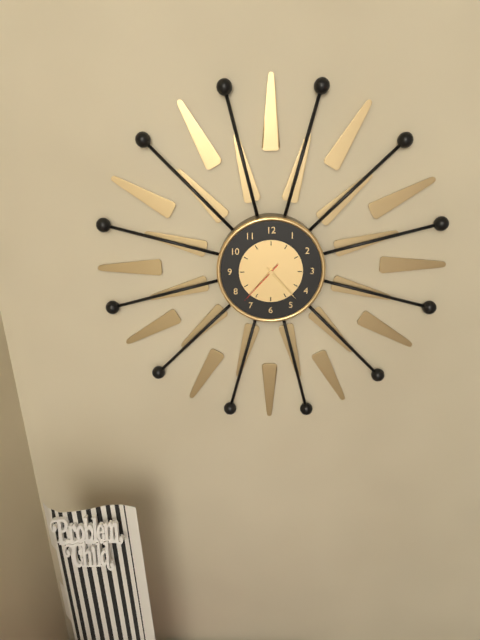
7h23
